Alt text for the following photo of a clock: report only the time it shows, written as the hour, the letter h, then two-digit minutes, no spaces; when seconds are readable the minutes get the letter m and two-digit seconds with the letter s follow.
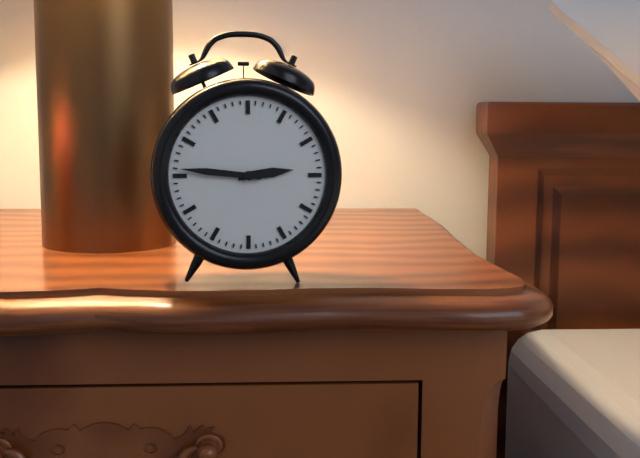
2h46
